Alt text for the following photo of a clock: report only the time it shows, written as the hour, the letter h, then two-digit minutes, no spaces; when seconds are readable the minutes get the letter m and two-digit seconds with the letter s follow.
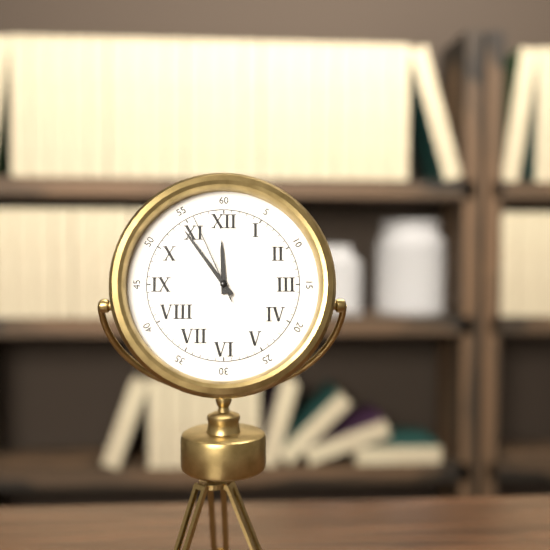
11h54m56s
